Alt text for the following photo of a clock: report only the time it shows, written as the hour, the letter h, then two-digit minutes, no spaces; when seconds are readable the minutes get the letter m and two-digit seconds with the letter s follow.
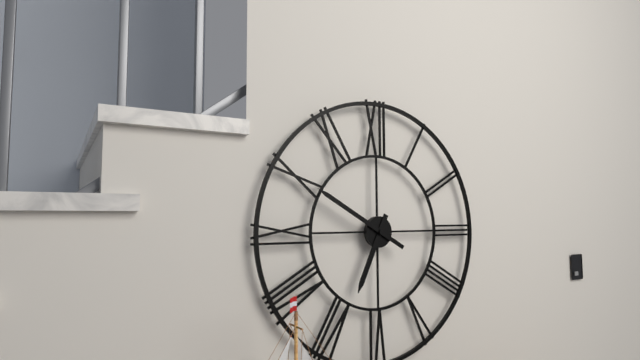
6h50
